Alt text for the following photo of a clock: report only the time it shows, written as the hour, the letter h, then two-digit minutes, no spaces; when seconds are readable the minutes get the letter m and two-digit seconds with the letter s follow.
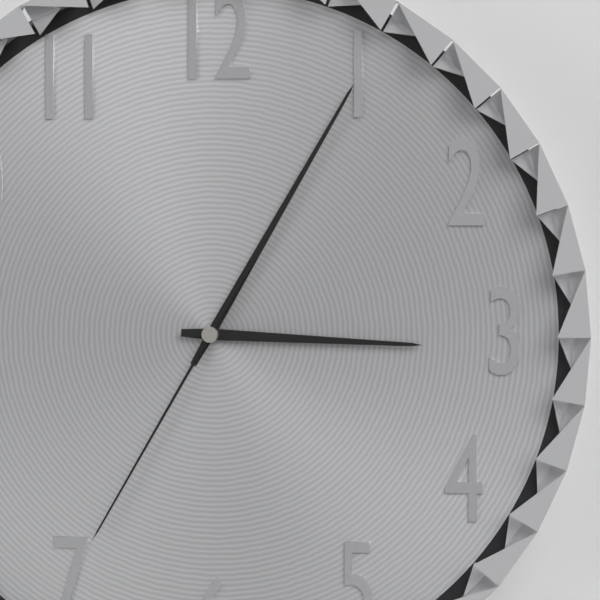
3h05m35s
